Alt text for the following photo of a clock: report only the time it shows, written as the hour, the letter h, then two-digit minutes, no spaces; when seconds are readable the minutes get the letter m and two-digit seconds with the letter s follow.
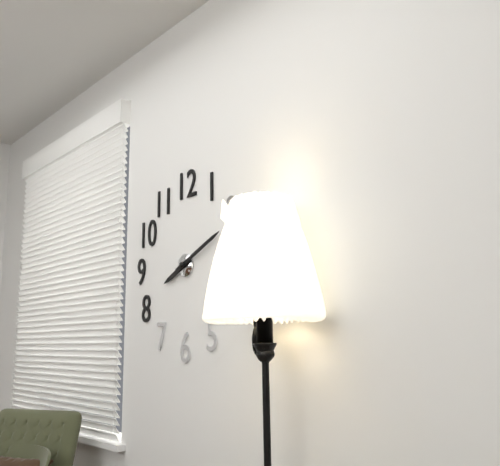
8h11
